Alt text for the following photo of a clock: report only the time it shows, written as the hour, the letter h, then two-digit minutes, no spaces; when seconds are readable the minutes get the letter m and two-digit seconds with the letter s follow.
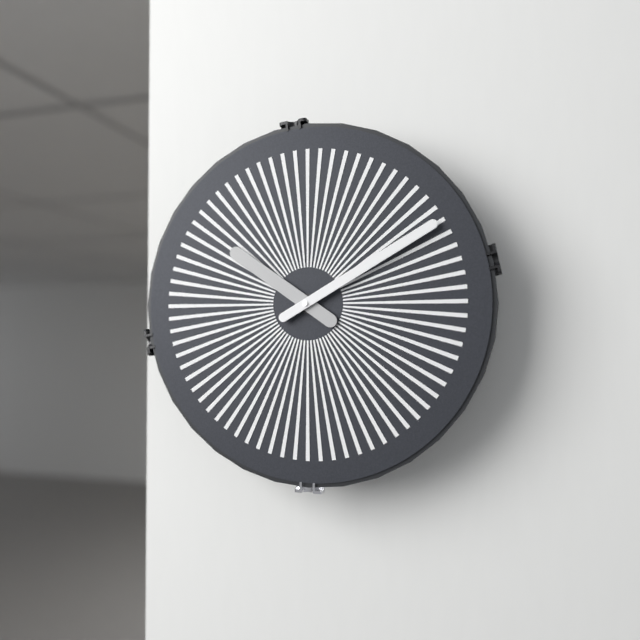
10h10
